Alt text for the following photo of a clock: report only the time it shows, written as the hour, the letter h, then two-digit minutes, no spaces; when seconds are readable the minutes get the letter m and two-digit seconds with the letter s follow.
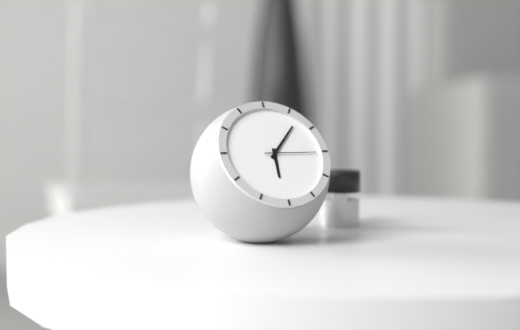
6h07m15s
